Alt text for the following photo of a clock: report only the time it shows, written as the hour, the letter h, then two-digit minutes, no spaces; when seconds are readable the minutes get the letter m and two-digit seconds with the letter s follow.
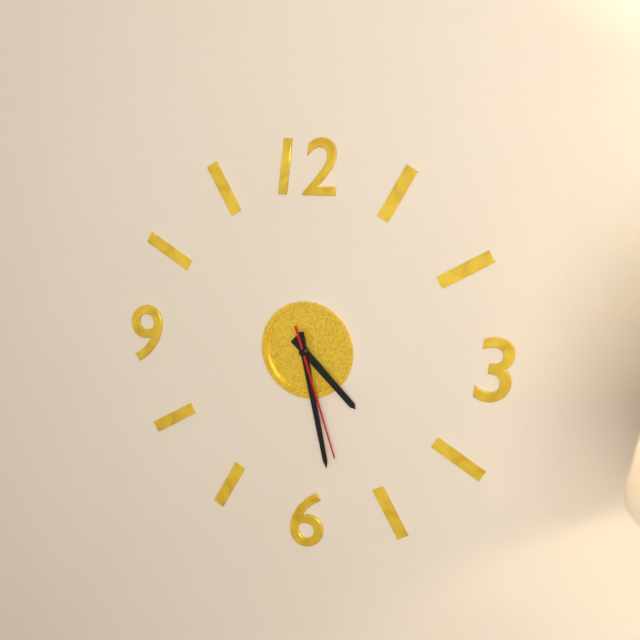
4h28m27s
